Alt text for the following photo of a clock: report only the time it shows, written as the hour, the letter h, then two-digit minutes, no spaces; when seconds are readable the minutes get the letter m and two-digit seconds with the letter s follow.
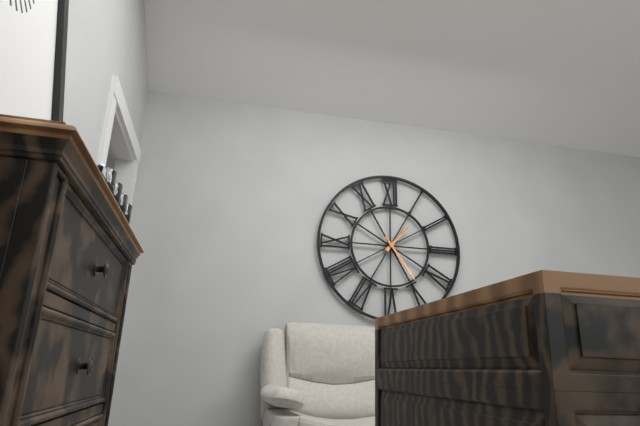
1h24
